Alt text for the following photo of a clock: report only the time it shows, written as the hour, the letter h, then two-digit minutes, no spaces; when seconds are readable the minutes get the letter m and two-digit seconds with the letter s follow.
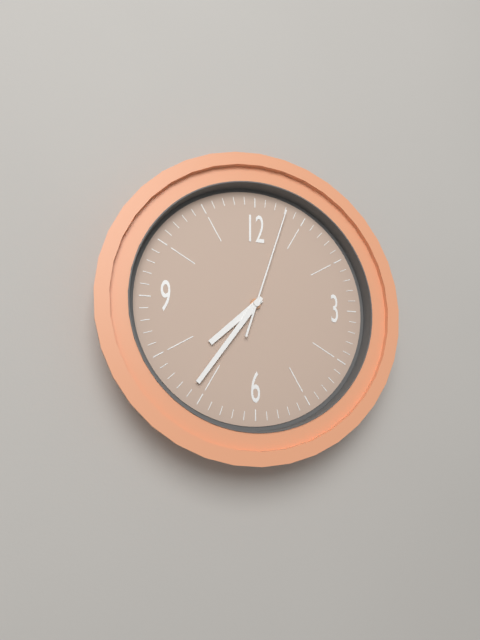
7h36m03s
